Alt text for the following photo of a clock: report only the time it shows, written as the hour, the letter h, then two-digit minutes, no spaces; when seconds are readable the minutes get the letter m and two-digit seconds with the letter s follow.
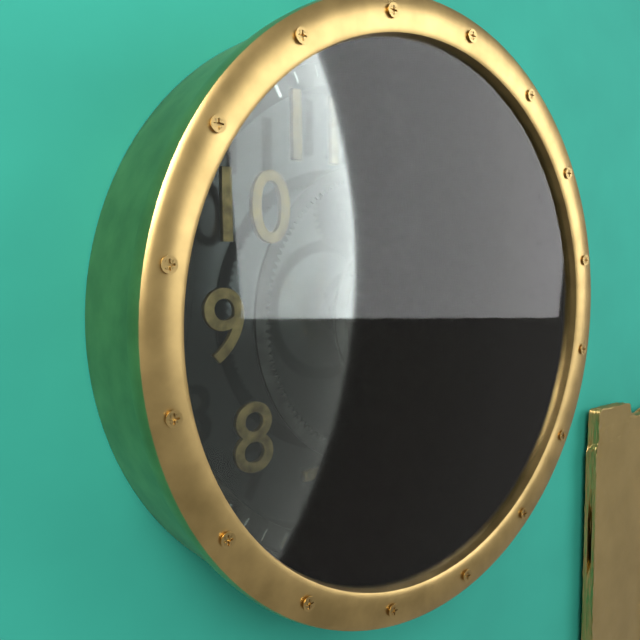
12h32
